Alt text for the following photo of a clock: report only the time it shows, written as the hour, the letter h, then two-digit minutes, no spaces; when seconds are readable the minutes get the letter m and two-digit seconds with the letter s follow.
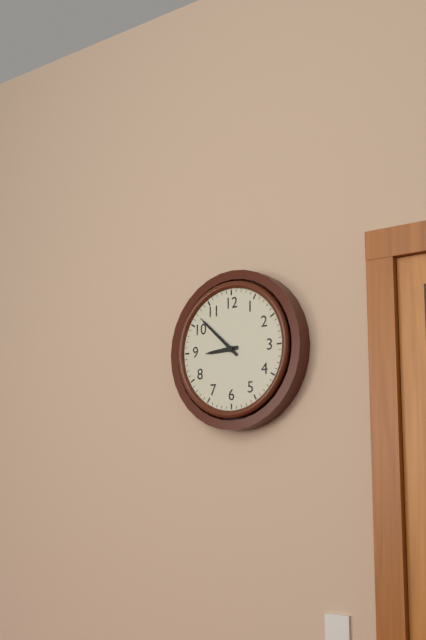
8h52
